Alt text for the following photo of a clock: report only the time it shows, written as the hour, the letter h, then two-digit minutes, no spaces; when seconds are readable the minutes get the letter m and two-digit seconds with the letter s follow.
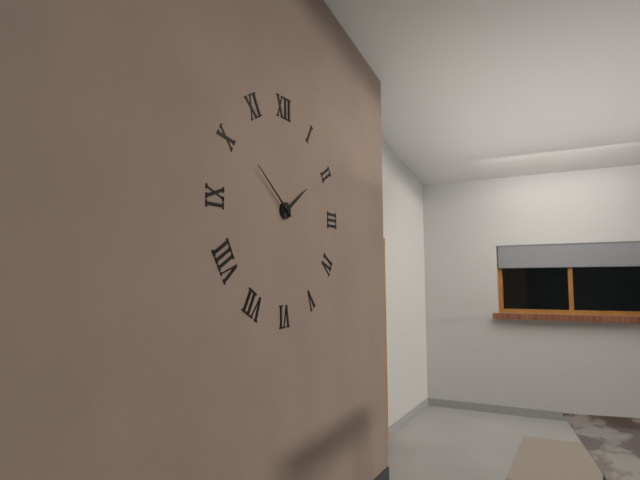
1h51
